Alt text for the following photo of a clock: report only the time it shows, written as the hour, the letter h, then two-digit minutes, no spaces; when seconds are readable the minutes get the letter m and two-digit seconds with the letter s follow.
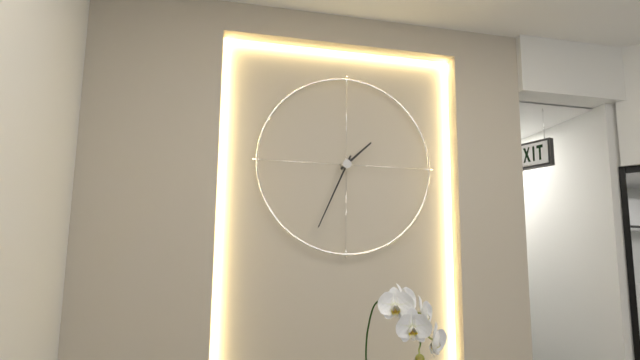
1h34
